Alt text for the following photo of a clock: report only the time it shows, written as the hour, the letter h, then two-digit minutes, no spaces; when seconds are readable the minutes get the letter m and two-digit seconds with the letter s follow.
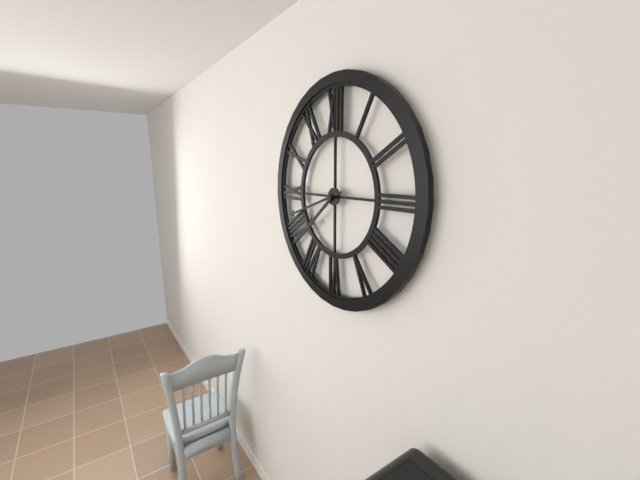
7h42
